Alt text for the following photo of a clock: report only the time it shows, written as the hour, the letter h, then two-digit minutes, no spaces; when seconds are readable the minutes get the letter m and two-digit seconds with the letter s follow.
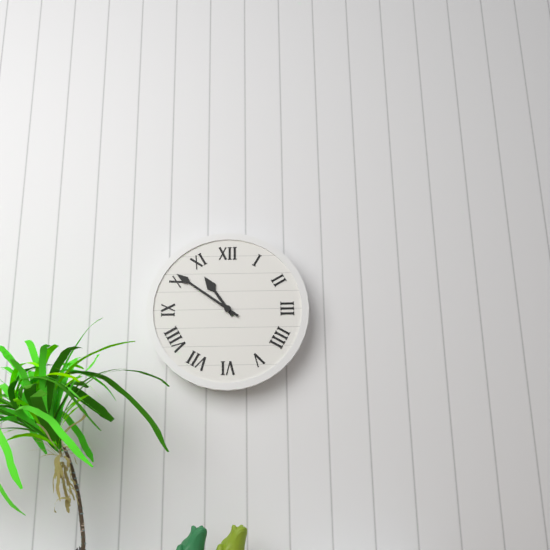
10h51
